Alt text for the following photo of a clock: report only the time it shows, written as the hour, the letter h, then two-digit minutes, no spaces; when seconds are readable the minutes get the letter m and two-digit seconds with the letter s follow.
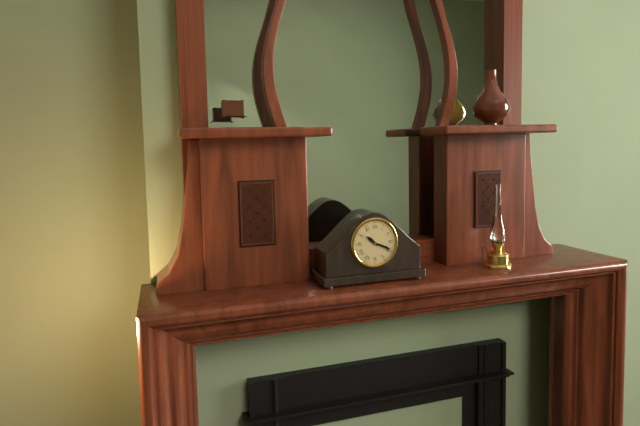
10h19
